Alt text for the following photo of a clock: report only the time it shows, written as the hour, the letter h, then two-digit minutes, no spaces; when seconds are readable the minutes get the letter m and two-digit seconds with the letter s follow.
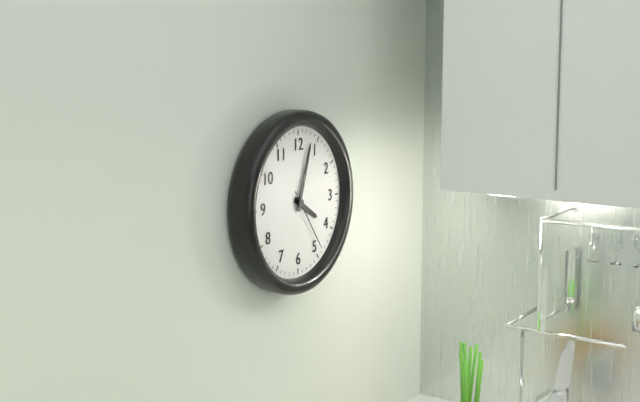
4h03m24s
